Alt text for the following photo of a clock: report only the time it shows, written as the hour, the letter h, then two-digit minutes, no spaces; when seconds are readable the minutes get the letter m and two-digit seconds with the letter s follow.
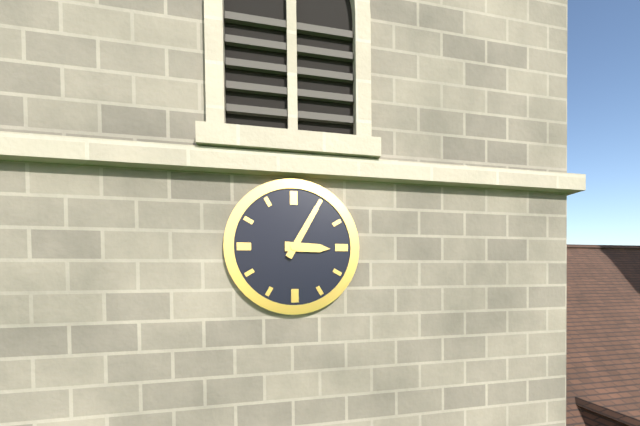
3h05
